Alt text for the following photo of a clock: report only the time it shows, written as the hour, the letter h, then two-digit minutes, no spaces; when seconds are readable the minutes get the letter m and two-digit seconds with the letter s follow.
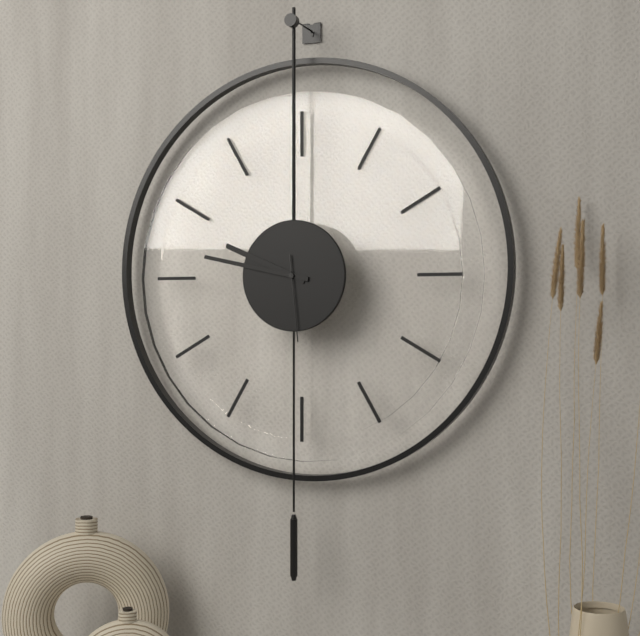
9h47m29s
